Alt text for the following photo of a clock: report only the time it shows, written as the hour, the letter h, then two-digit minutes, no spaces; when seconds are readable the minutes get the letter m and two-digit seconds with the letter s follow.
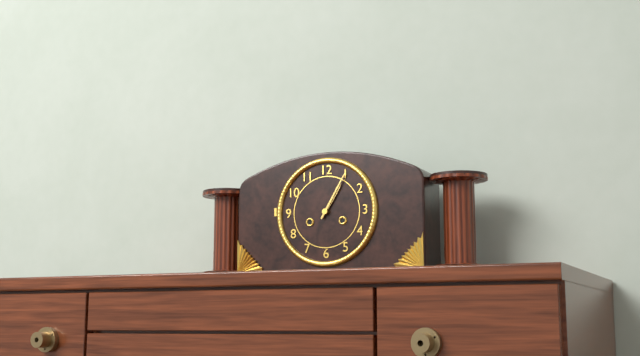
1h05
